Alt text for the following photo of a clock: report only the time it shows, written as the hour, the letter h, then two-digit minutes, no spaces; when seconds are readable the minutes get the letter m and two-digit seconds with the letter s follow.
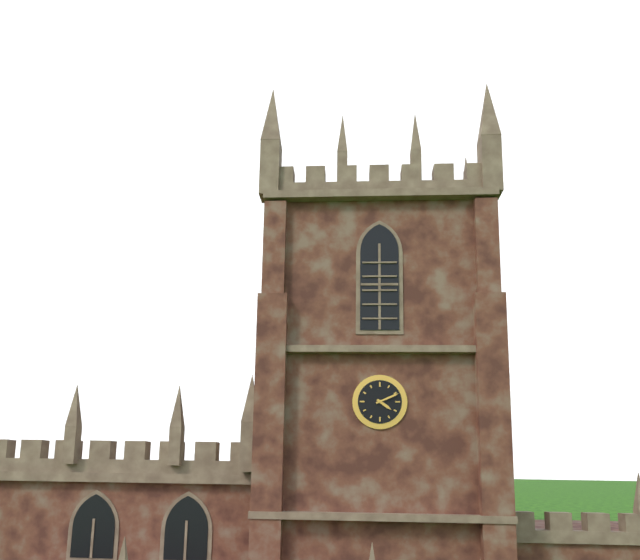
4h11
